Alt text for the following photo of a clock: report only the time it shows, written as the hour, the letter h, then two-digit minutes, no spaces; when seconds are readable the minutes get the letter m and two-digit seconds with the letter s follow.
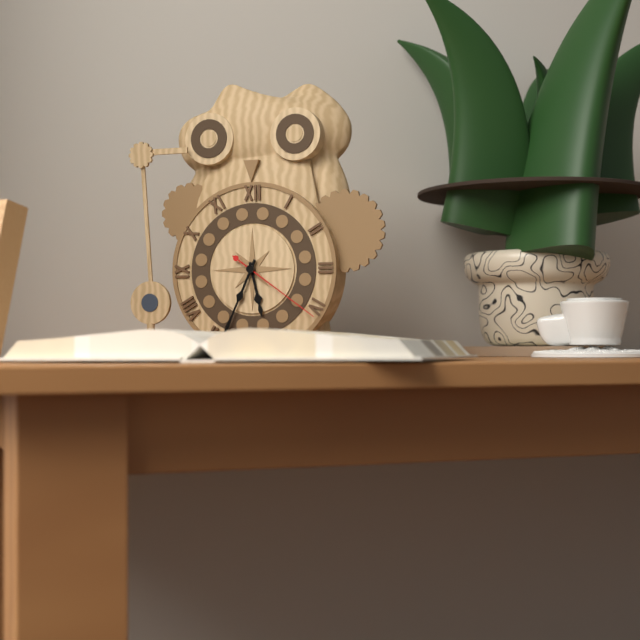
5h34m21s
